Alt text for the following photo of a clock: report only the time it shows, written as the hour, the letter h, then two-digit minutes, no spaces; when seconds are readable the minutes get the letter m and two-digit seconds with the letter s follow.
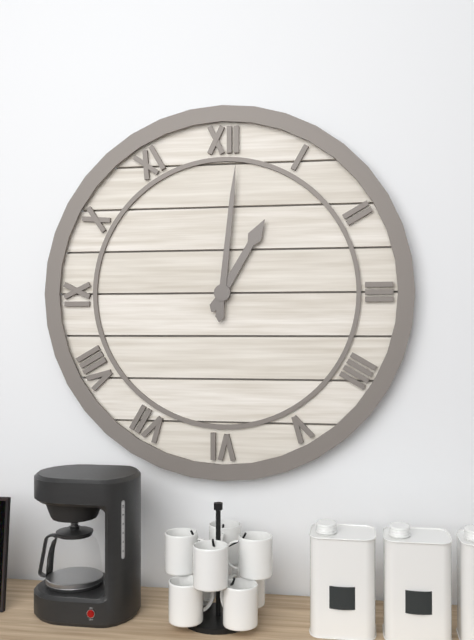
1h01
